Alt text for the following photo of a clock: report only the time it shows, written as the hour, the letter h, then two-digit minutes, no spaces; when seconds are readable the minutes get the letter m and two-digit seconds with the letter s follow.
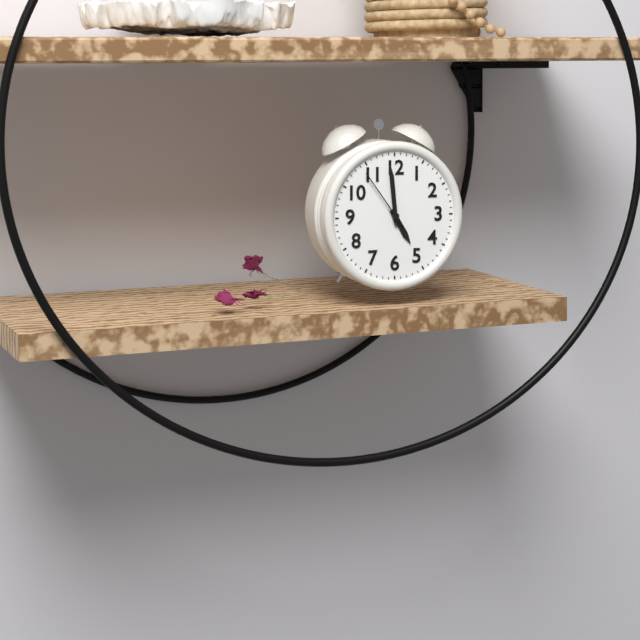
4h59m54s
